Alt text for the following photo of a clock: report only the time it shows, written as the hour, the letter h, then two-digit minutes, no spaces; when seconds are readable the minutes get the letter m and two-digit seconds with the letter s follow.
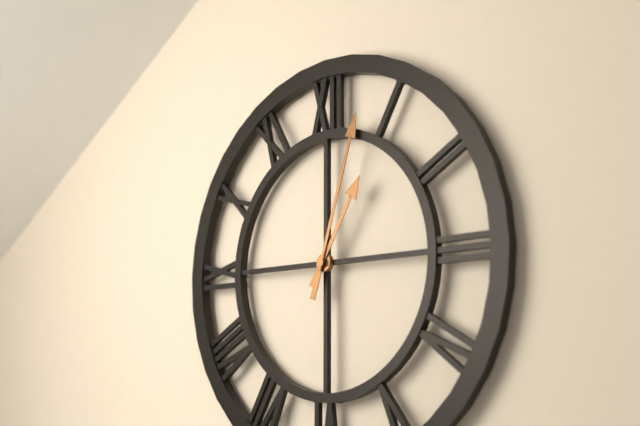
1h03
